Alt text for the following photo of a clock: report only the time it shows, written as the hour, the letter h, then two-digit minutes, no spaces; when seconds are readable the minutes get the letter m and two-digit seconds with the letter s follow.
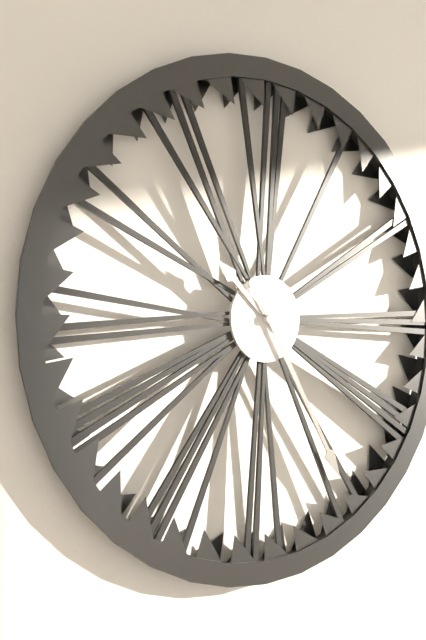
10h25
